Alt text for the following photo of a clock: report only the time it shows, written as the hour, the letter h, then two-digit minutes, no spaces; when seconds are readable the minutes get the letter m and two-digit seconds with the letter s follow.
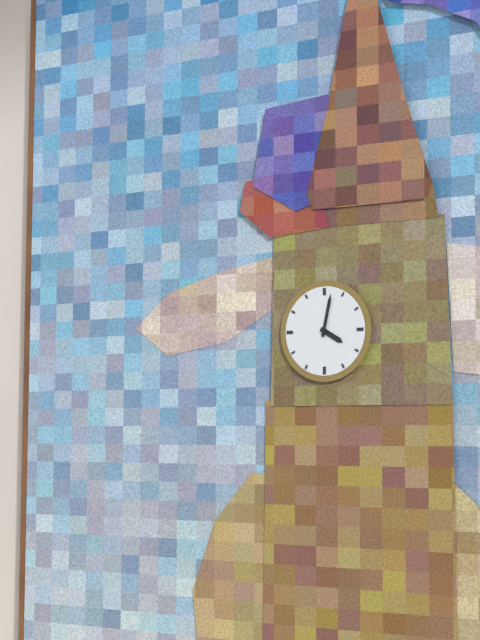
4h02
